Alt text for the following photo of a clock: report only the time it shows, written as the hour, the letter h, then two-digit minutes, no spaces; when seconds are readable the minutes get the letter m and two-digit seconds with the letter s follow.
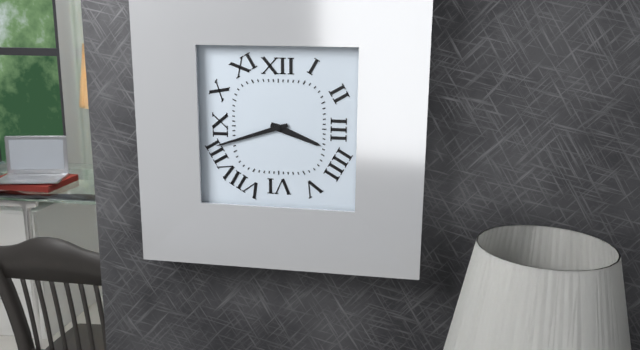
3h42
